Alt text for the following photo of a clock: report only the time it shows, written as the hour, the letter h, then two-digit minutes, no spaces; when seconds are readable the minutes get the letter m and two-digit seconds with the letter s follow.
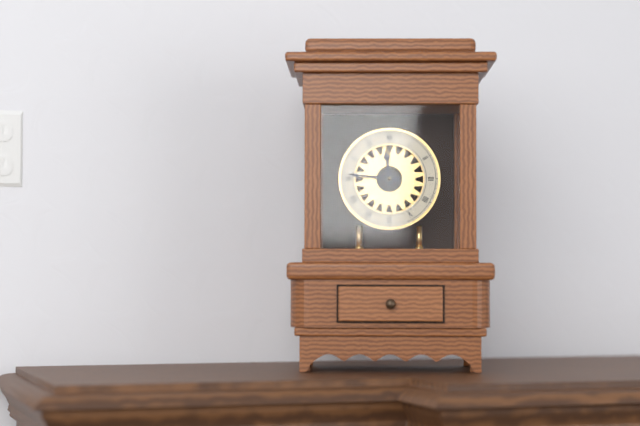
11h46
